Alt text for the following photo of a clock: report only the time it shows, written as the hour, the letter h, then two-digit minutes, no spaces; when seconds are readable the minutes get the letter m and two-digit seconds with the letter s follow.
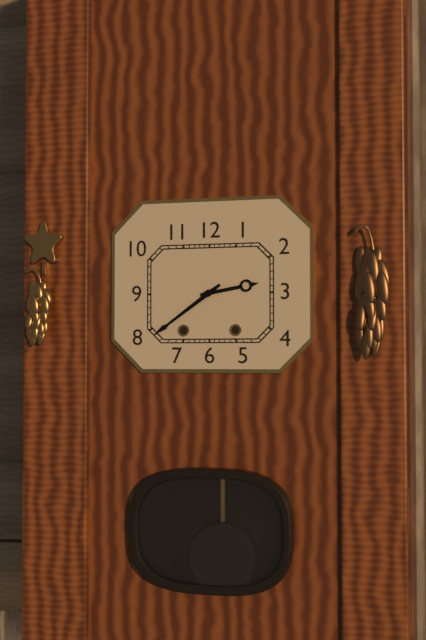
2h39
